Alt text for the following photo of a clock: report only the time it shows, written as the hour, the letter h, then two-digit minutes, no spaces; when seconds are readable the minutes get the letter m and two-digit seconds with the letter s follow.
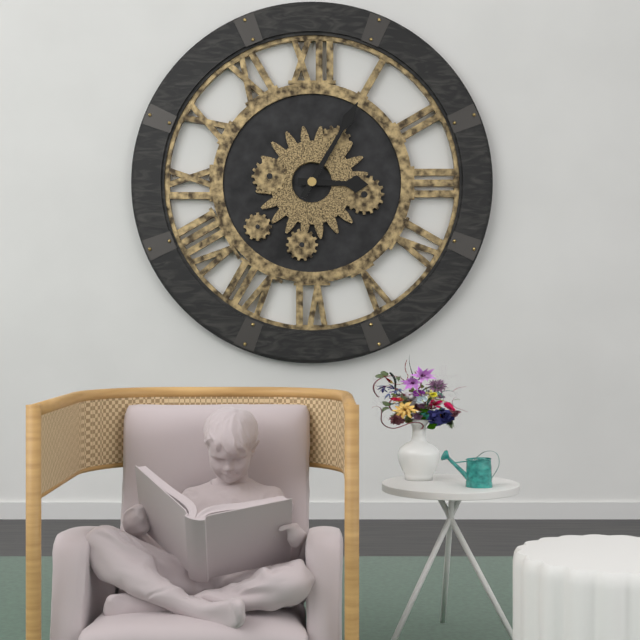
3h05
